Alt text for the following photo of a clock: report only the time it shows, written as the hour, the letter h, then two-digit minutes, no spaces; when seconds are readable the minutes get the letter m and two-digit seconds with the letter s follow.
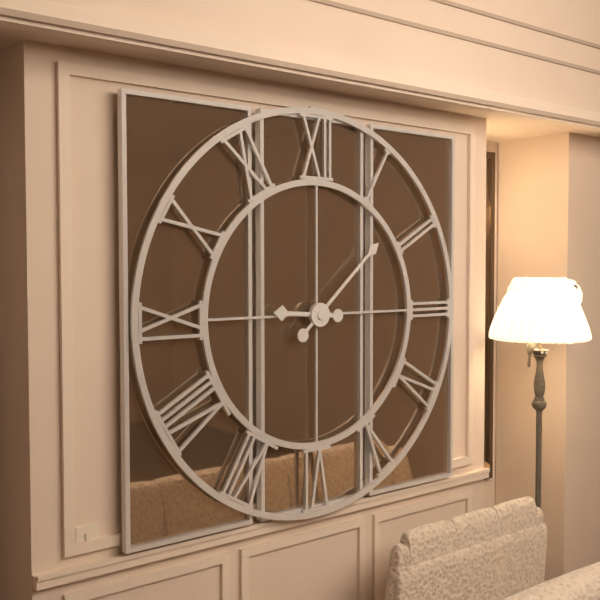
9h08
